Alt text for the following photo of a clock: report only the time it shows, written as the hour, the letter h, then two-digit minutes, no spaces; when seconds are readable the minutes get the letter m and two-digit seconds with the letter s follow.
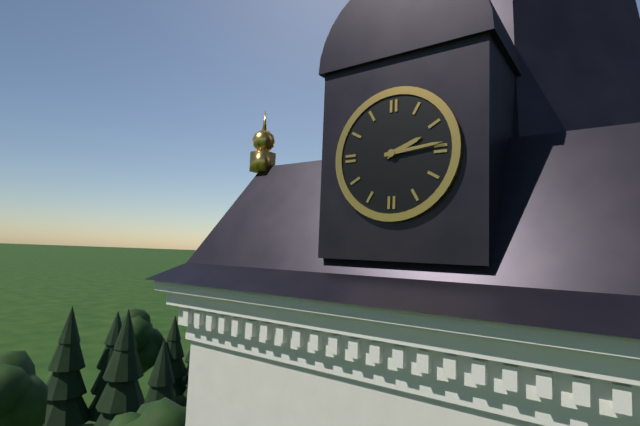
2h14
